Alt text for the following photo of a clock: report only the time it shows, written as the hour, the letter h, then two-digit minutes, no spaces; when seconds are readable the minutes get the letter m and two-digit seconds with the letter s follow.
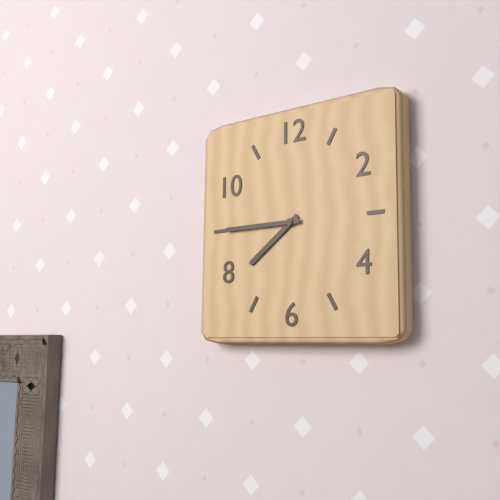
7h45
